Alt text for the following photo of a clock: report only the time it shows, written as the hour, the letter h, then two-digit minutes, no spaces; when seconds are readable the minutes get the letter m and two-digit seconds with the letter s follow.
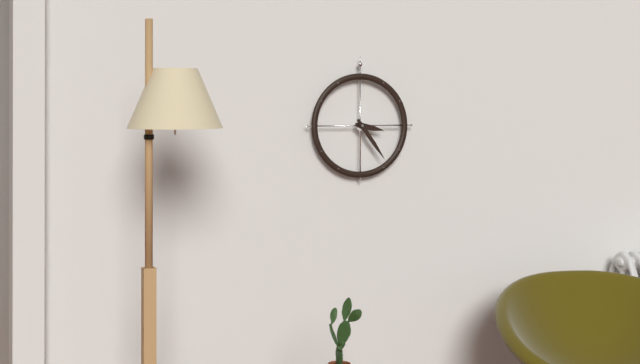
3h24
